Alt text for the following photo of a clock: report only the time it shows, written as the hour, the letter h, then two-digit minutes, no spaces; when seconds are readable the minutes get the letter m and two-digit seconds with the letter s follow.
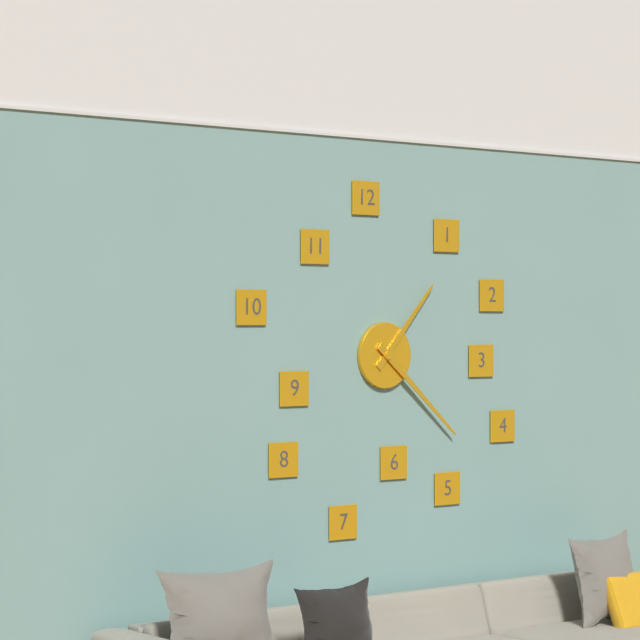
1h22
